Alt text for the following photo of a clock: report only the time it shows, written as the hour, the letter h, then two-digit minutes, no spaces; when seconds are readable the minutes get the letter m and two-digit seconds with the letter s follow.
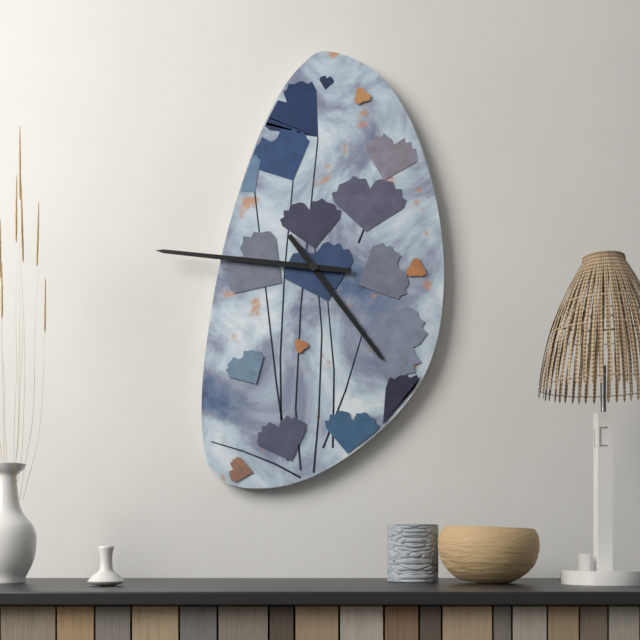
4h46
